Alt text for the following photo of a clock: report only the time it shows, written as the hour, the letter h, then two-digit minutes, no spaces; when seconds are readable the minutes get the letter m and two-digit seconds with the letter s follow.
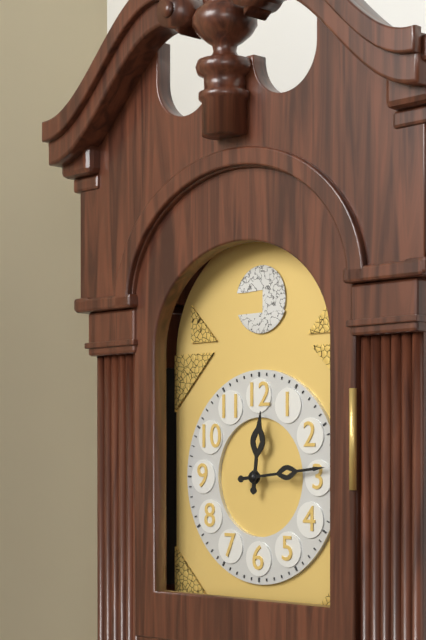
12h14
